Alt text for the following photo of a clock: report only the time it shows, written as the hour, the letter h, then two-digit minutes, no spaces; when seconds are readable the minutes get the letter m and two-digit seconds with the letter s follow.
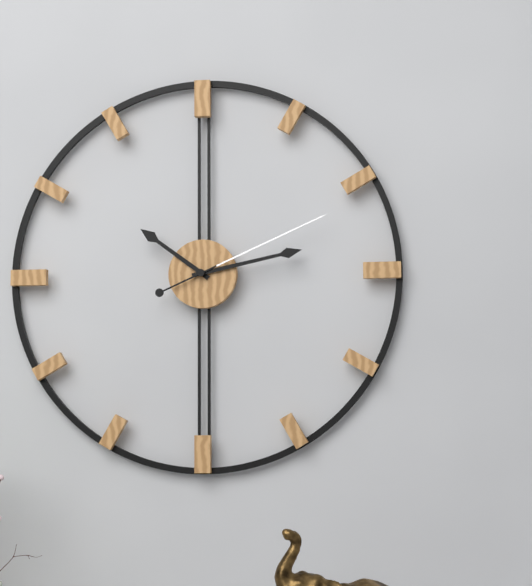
10h13m11s
